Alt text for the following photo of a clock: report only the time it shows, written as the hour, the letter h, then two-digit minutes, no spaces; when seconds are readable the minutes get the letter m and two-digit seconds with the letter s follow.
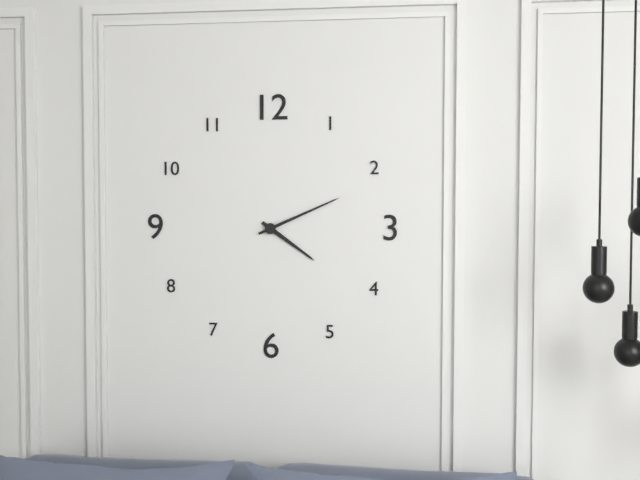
4h11
